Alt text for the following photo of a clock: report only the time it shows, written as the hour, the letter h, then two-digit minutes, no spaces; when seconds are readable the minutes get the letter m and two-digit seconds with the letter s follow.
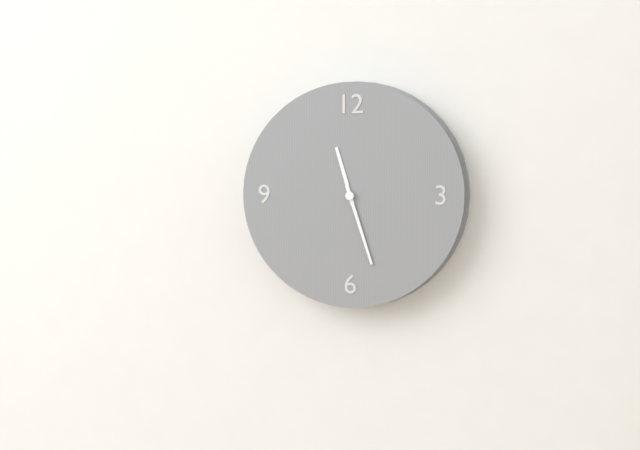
11h27
